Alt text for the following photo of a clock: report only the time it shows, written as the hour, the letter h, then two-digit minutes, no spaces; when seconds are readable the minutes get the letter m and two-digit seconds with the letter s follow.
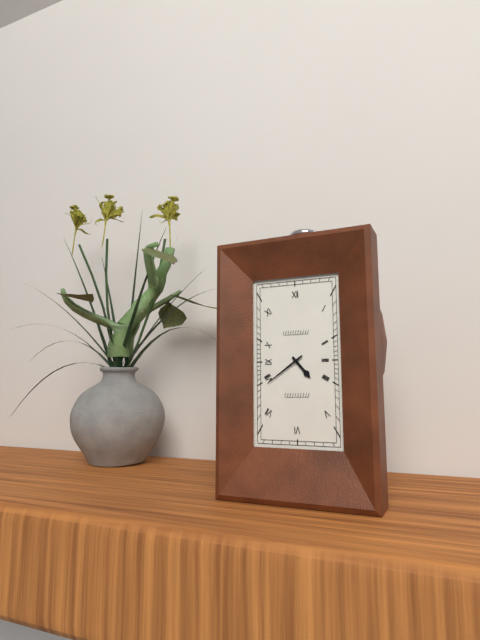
4h39
